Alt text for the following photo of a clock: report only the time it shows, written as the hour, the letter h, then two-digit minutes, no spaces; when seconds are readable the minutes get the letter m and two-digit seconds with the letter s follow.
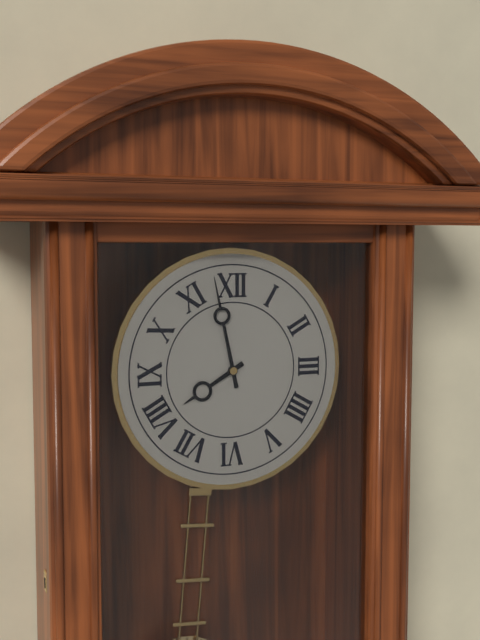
7h58
